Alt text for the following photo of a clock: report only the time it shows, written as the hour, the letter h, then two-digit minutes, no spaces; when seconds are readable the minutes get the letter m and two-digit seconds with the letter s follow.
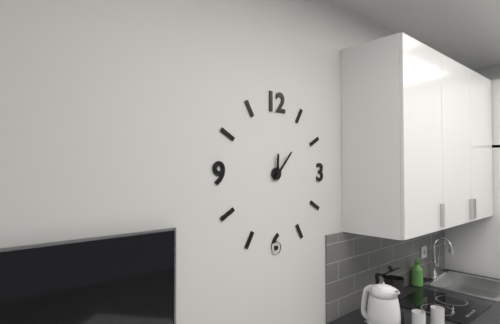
12h07
